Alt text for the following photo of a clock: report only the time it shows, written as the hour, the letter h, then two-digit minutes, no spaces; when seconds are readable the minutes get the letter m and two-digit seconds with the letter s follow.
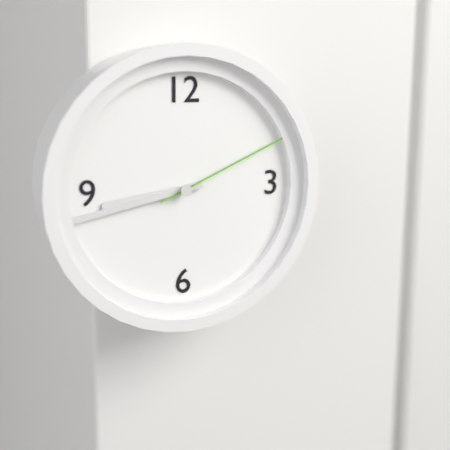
8h43m11s
